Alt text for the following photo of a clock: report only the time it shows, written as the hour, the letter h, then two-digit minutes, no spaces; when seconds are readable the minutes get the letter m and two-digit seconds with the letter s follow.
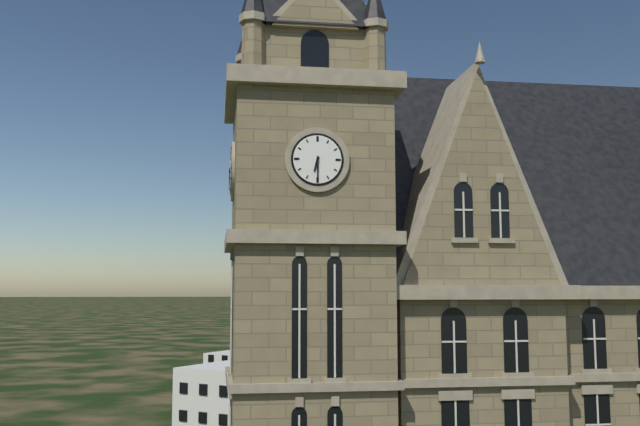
6h30
